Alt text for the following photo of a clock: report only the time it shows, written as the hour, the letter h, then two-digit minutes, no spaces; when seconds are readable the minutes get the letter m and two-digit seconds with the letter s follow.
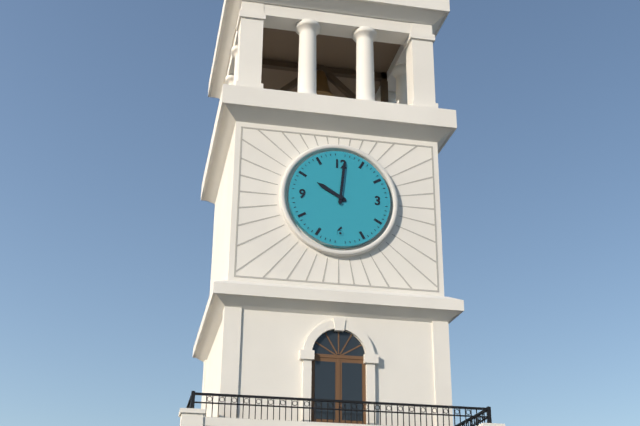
10h01
